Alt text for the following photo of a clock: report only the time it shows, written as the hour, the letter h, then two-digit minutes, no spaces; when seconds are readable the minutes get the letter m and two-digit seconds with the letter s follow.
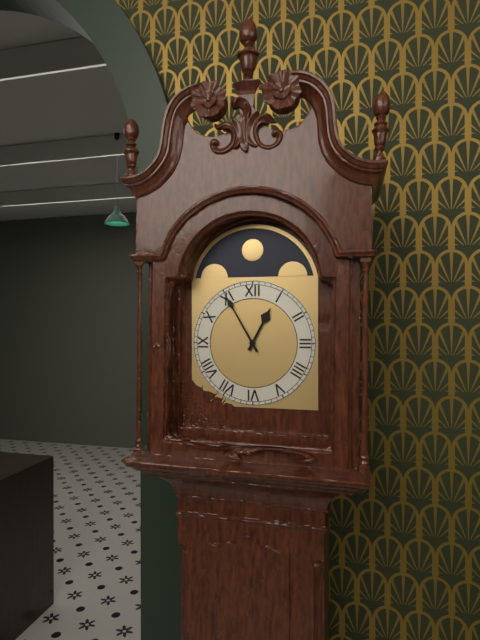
12h55
